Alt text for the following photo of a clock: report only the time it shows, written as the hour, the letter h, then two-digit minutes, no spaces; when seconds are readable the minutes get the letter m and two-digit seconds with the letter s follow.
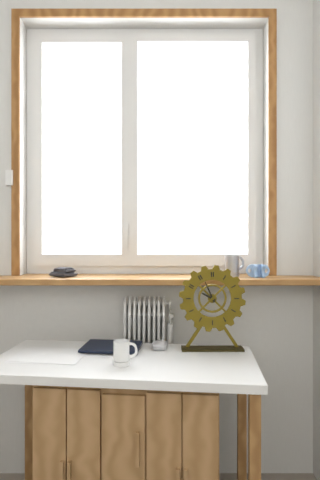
9h56
